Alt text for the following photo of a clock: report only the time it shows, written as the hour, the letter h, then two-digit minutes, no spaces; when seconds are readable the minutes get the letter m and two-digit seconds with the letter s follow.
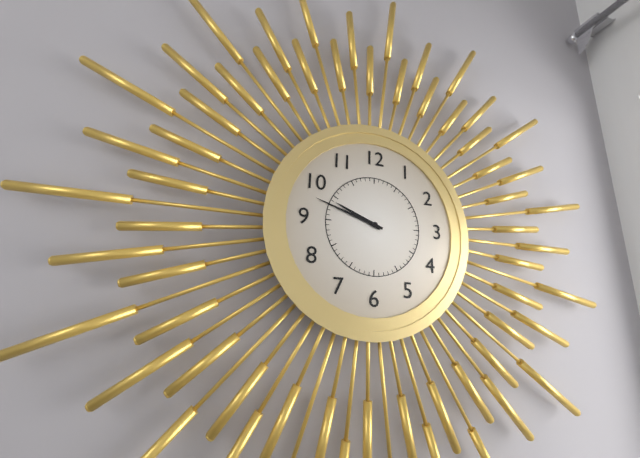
9h48
